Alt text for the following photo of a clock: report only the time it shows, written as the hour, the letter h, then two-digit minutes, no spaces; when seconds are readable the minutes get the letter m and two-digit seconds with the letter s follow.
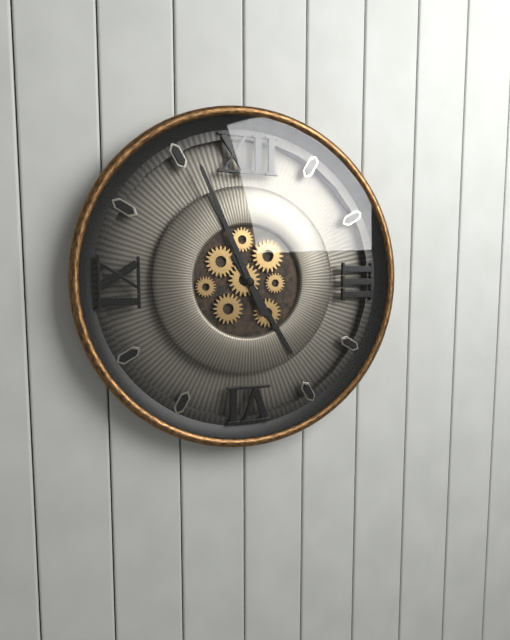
4h56
